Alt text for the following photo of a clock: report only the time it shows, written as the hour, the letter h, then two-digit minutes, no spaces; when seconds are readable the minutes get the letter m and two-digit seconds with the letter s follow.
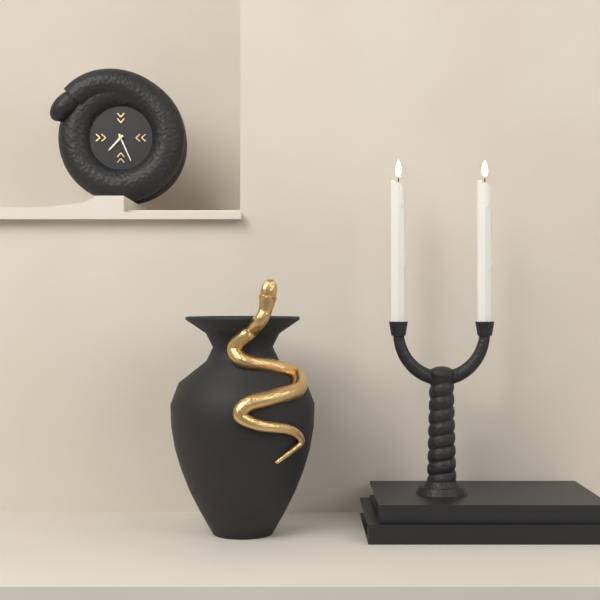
7h26
